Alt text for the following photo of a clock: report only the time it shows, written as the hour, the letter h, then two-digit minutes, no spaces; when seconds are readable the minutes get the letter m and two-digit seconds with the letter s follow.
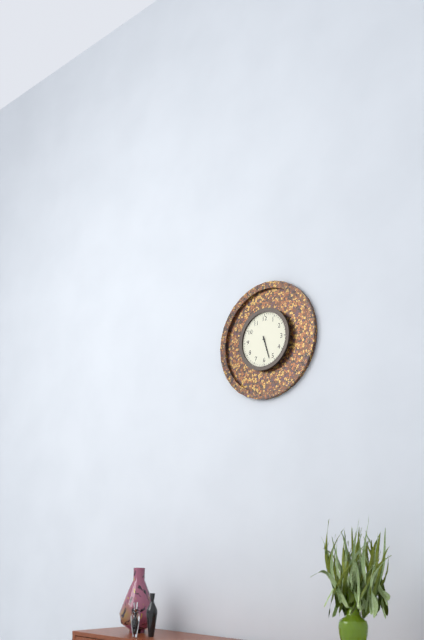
5h27
